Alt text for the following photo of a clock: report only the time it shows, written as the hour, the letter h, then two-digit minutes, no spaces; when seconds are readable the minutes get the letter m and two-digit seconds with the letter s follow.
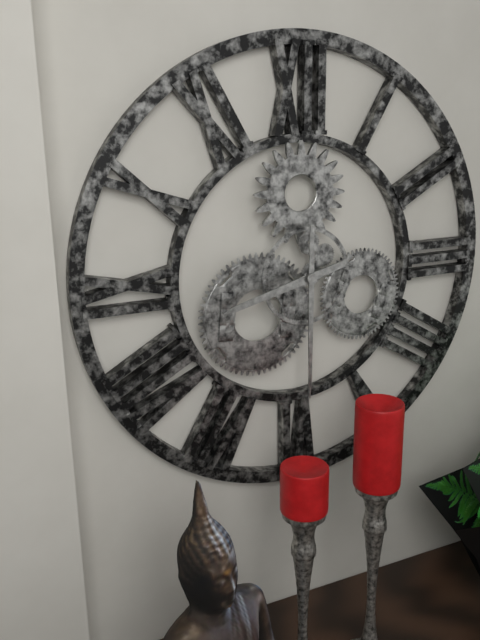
8h30
